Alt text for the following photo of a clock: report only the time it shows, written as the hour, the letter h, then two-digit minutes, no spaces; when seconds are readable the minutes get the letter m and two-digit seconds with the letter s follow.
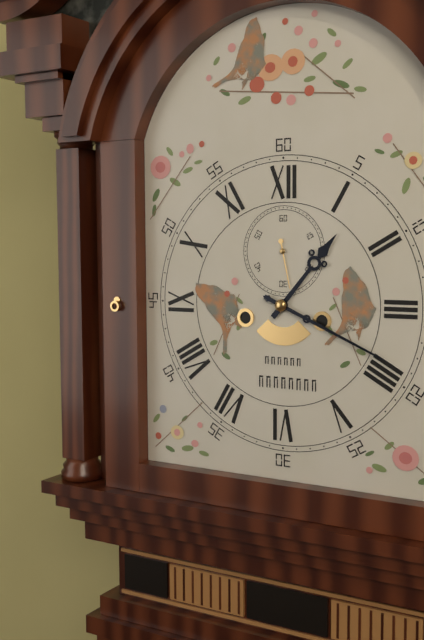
1h19
